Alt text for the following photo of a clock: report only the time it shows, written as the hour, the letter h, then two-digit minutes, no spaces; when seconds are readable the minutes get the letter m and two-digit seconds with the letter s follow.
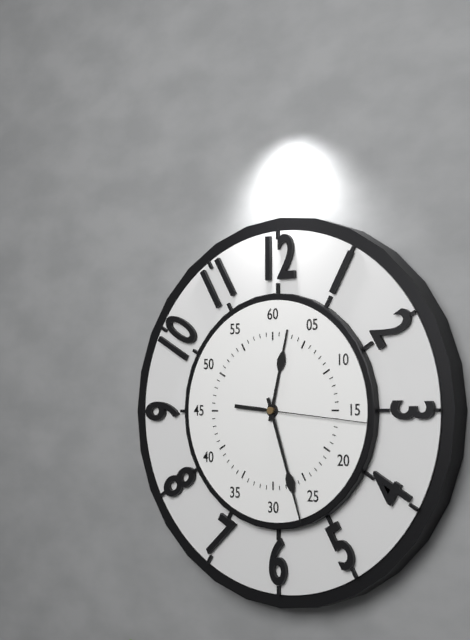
12h27m16s
